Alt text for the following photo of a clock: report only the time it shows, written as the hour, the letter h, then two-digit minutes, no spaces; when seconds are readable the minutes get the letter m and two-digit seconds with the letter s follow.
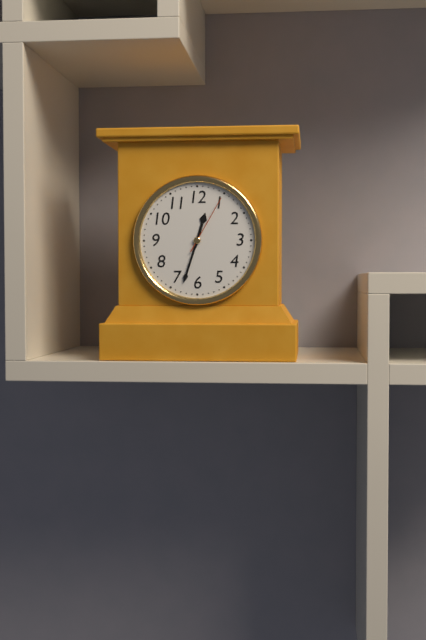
12h33m05s
